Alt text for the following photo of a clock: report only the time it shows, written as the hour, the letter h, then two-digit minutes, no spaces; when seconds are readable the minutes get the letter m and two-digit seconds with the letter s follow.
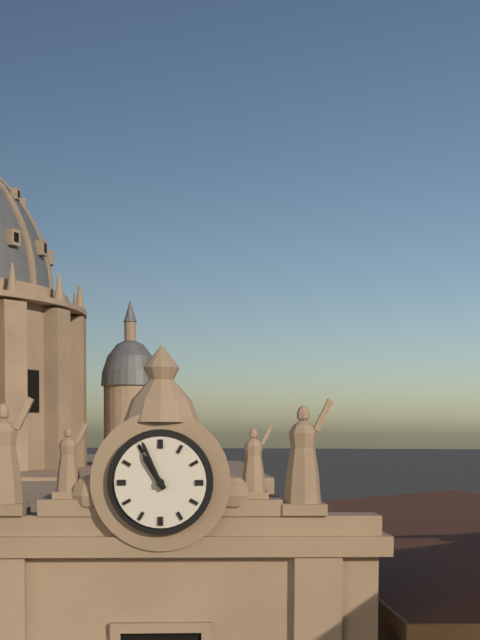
10h56
